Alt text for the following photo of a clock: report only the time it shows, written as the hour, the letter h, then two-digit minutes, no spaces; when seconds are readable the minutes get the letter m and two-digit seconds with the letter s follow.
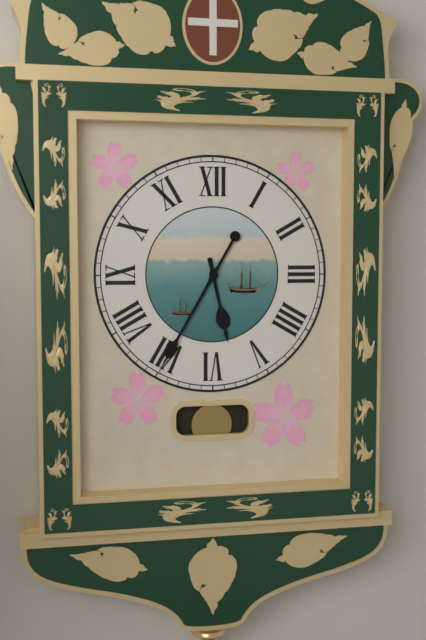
5h35
